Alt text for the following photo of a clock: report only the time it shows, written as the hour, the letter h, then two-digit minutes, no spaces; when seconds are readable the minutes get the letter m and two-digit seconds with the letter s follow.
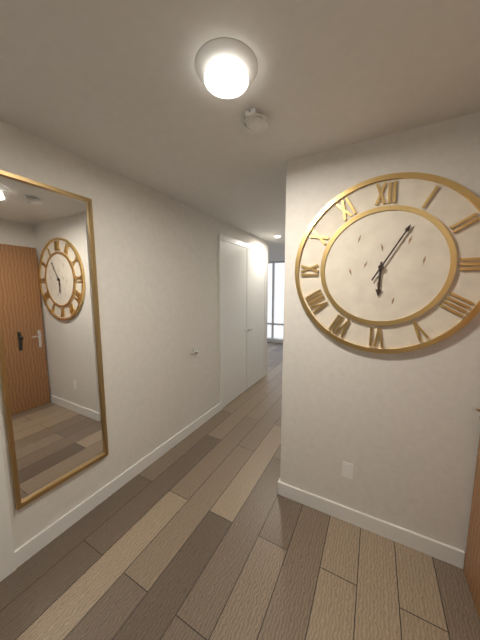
6h05
